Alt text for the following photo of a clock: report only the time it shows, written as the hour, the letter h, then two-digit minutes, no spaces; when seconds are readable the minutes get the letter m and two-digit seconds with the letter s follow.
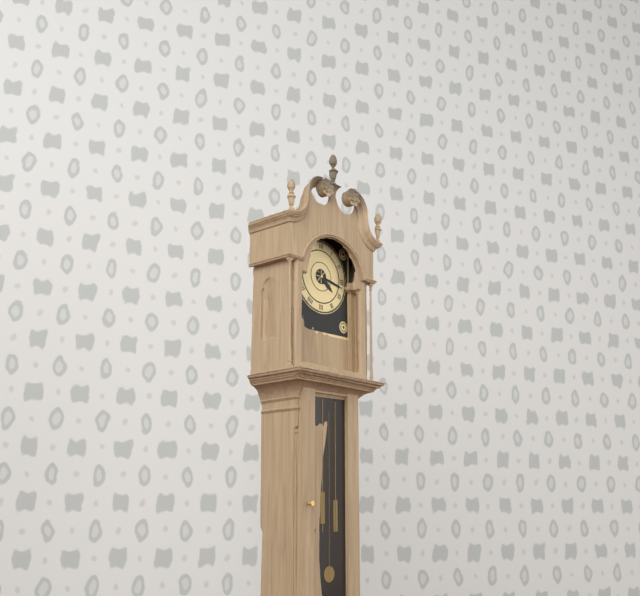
4h17
